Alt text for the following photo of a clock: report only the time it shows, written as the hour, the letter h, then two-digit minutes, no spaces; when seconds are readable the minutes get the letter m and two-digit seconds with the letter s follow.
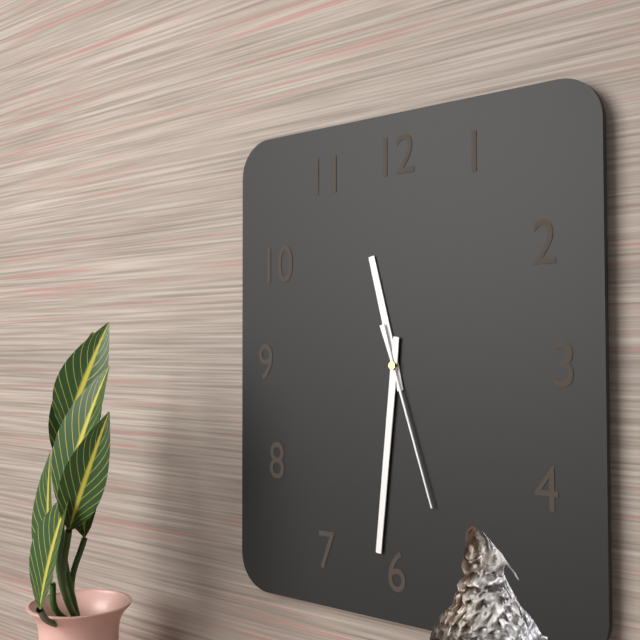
11h31m27s
